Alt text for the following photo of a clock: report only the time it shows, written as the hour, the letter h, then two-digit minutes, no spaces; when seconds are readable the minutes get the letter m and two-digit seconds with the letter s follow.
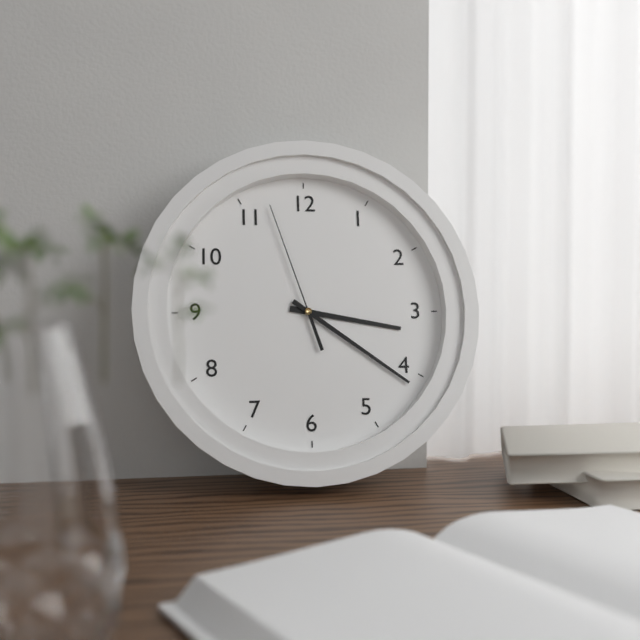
3h21m57s
